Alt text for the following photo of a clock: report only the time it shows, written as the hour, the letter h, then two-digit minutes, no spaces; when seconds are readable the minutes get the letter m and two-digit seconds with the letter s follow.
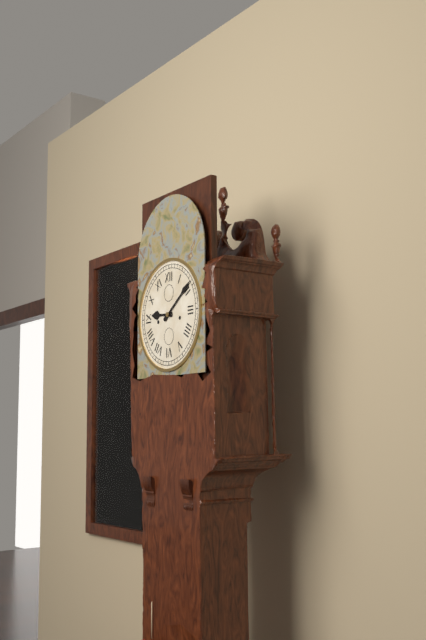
9h09
